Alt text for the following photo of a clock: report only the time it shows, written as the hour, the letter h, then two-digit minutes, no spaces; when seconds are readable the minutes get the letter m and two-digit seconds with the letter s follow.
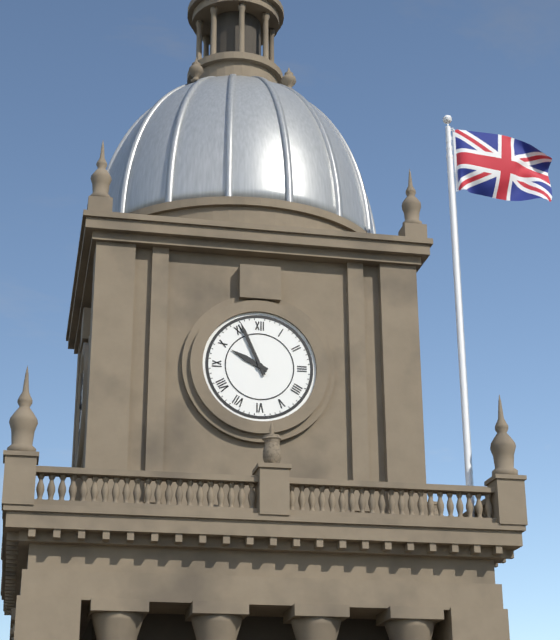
9h56
